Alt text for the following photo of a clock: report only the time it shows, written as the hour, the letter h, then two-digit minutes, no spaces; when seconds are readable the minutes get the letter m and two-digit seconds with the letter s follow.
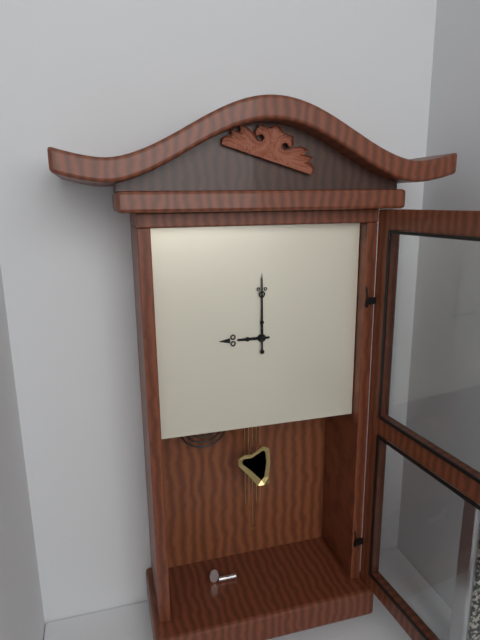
9h00
